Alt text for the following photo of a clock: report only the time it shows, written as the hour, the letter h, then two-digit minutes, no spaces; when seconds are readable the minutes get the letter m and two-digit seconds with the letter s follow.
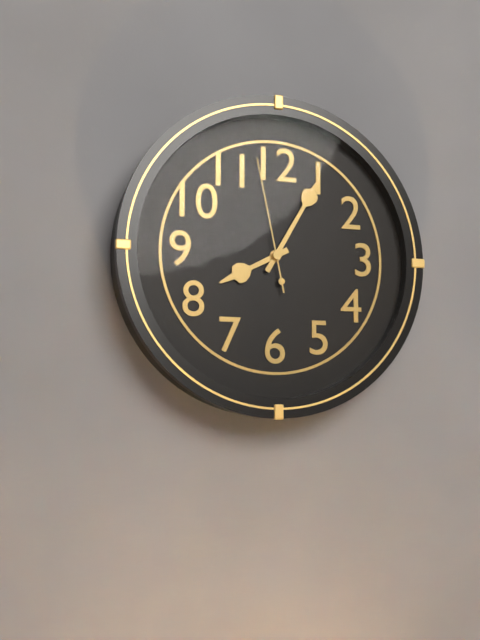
8h05m58s
